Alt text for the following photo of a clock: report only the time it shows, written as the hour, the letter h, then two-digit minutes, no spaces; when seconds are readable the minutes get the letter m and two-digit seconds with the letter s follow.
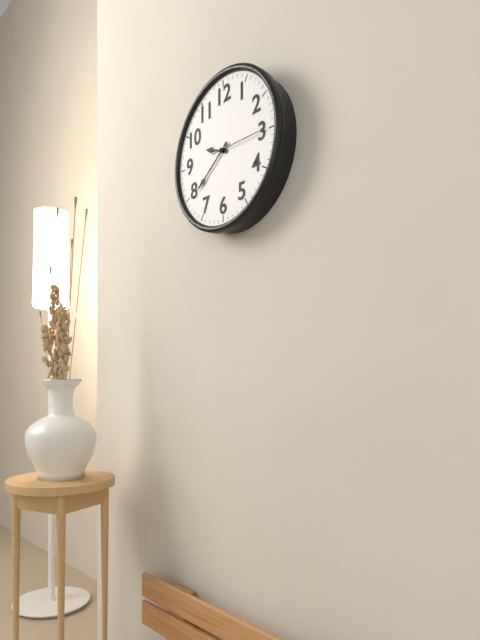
9h39m15s
